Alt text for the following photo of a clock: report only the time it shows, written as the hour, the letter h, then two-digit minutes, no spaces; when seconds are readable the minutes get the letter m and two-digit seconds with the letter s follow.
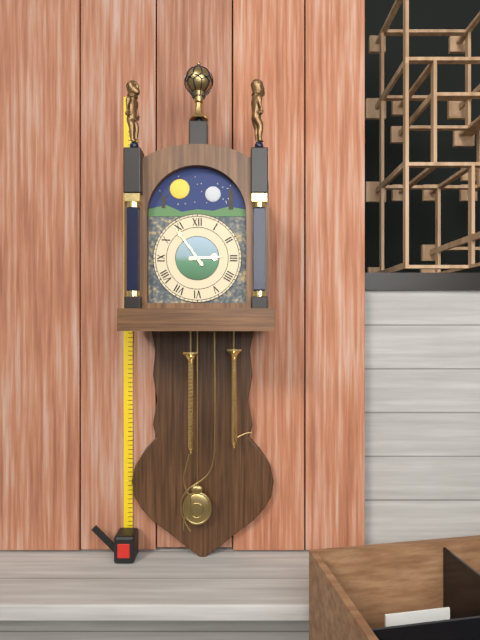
2h54
